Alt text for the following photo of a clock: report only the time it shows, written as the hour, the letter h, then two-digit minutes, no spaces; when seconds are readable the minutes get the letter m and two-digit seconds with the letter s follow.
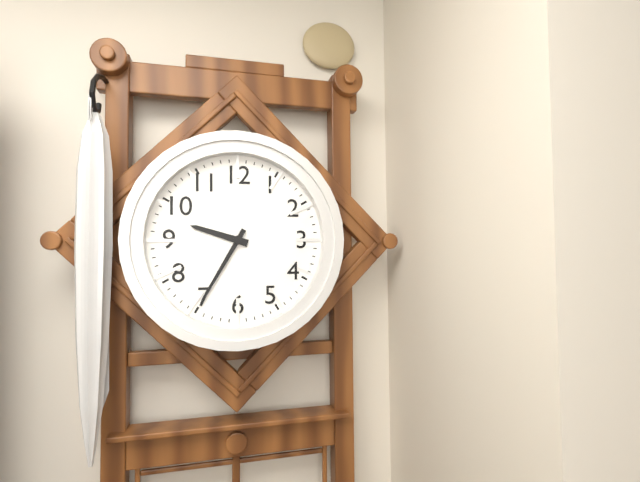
9h35
